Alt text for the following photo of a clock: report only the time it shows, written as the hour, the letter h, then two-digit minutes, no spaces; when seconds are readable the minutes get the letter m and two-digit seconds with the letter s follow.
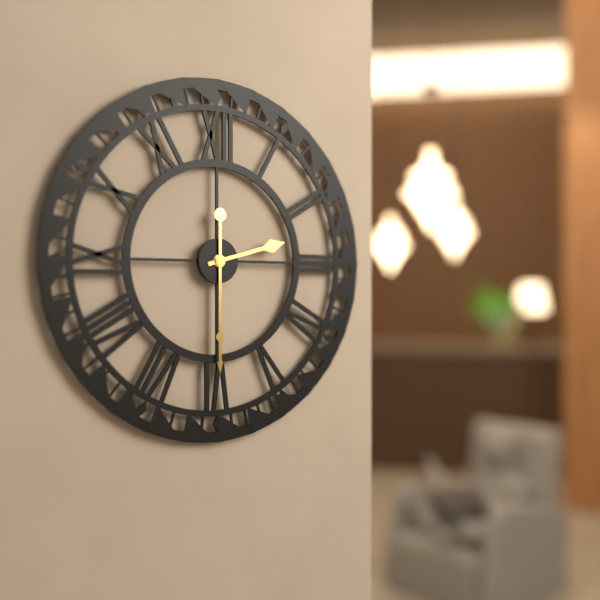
2h30
